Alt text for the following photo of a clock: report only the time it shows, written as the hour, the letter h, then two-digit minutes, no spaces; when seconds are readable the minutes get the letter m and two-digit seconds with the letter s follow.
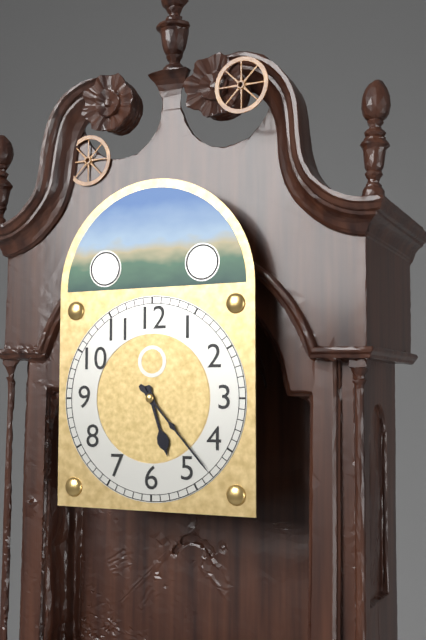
5h23
